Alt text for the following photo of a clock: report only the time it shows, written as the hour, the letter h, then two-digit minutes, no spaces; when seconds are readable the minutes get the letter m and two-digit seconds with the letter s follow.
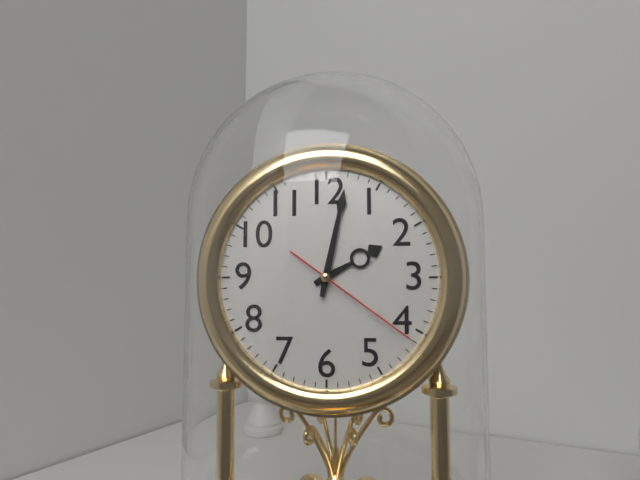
2h02m21s
